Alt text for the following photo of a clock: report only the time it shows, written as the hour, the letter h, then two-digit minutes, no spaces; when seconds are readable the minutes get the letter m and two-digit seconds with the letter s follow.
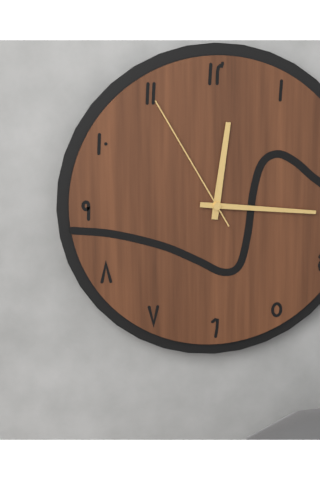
12h16m55s
